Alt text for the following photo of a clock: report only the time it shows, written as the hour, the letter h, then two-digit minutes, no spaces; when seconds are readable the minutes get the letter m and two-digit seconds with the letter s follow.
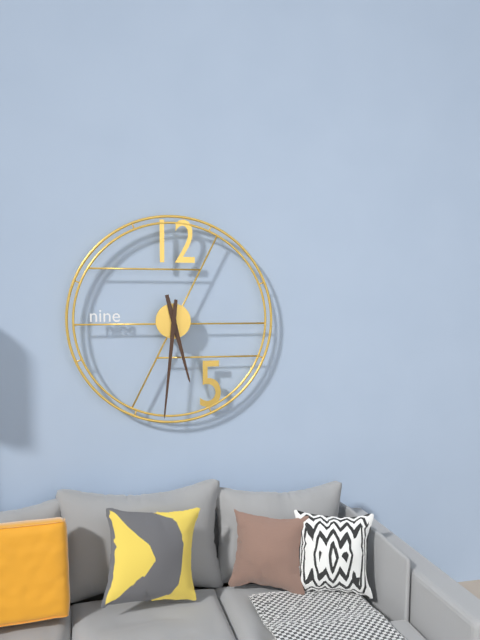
5h31
